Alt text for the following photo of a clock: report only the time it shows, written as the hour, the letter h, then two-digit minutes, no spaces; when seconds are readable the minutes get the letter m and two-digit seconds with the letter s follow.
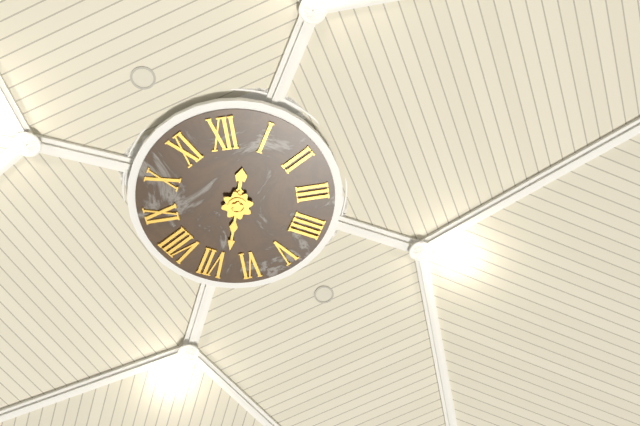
12h33
